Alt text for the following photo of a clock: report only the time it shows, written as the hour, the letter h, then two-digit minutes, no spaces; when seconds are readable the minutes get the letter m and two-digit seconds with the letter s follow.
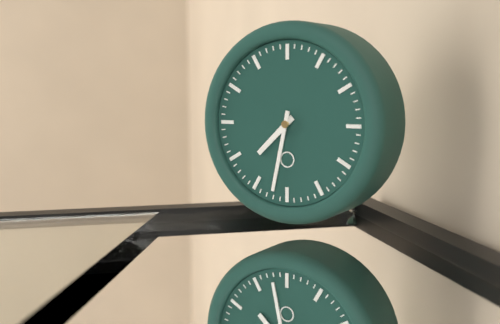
7h32
